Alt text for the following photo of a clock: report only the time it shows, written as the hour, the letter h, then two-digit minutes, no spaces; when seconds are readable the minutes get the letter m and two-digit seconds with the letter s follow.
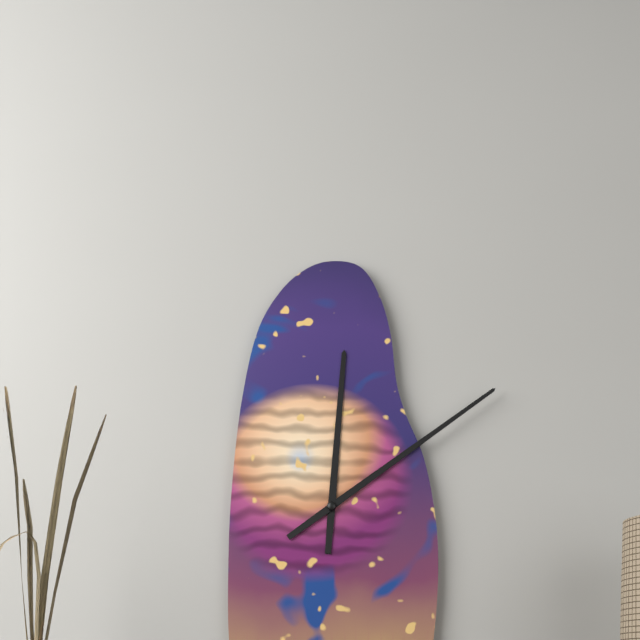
12h09
